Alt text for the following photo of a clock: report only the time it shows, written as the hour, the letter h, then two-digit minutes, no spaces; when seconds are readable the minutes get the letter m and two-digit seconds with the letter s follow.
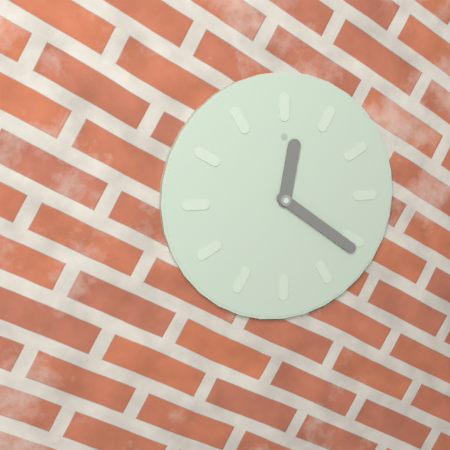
12h21
